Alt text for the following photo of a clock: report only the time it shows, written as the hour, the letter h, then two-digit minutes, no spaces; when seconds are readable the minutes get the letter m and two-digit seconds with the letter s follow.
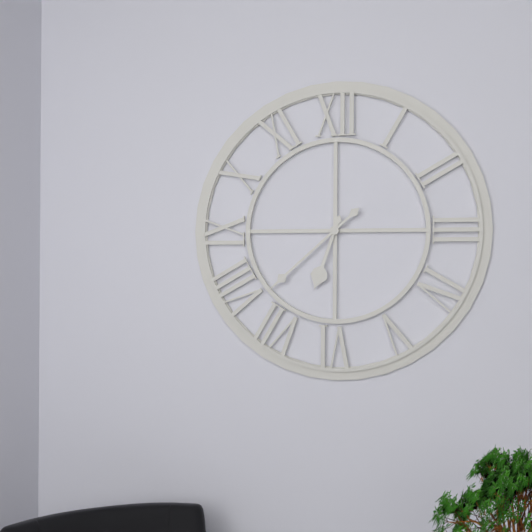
6h38
